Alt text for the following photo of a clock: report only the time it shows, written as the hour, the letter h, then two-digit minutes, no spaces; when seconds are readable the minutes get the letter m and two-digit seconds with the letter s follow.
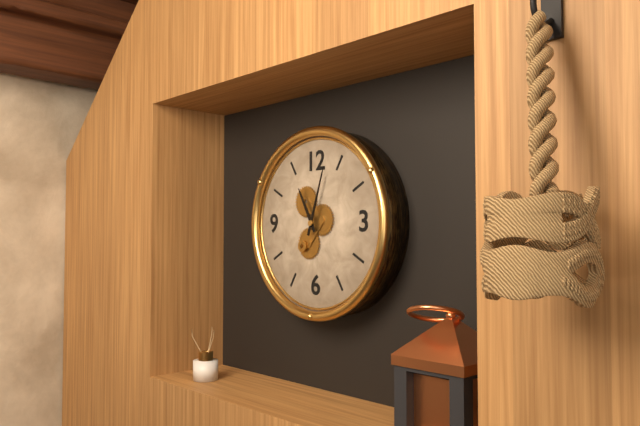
11h03
